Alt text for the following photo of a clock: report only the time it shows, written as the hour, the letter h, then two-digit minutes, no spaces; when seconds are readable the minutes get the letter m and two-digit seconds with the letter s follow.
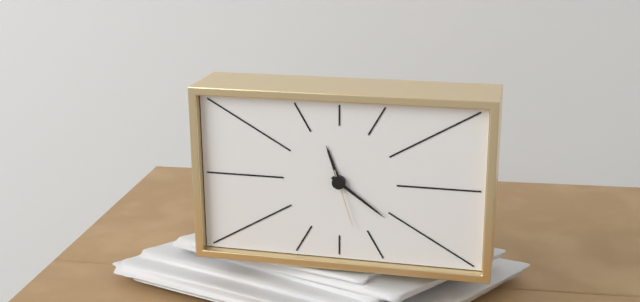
11h21m27s
